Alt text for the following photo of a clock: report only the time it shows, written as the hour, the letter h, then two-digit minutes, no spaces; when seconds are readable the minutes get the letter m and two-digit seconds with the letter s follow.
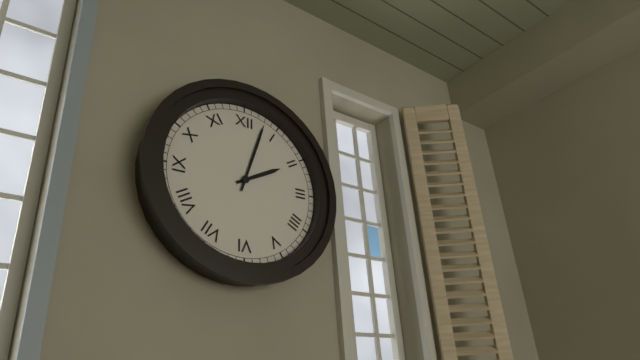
2h03
